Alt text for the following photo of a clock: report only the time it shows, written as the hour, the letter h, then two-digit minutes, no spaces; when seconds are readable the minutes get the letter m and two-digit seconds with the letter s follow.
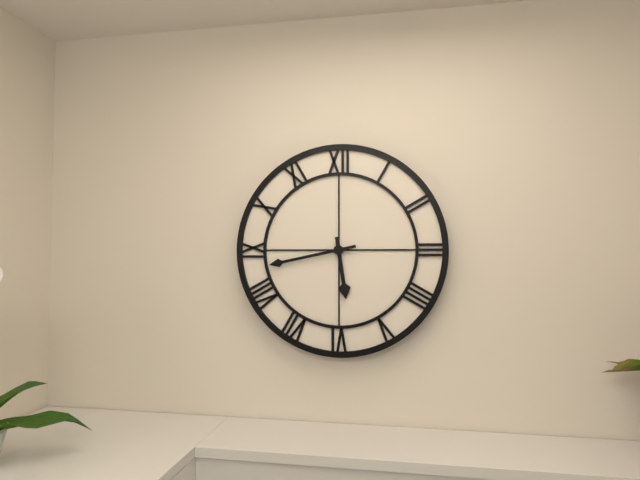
5h43
